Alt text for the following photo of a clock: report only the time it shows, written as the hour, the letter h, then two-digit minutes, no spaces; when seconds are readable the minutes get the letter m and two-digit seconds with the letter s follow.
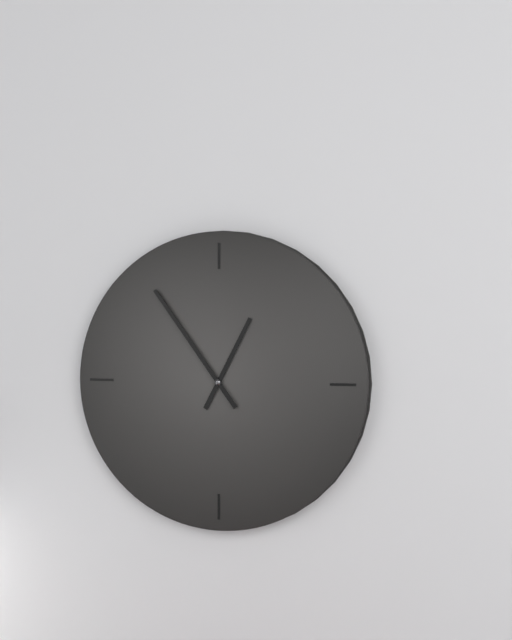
12h54
